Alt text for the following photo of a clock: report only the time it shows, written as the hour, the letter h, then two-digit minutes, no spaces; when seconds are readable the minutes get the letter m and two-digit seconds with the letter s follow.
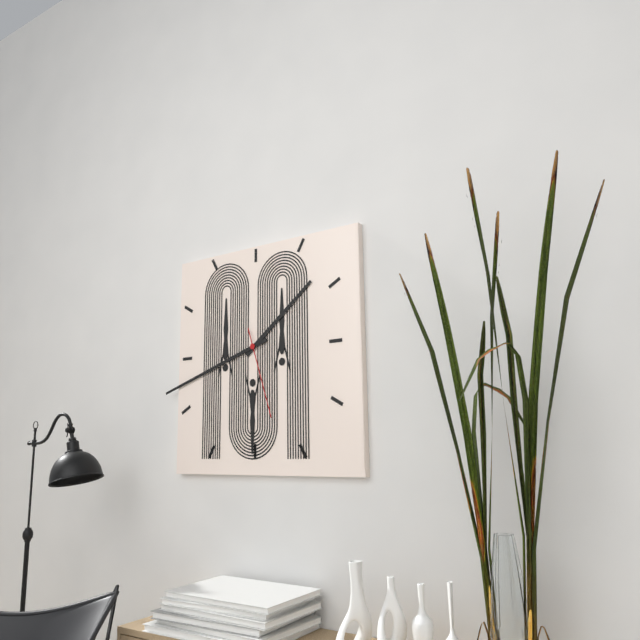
1h42m27s
